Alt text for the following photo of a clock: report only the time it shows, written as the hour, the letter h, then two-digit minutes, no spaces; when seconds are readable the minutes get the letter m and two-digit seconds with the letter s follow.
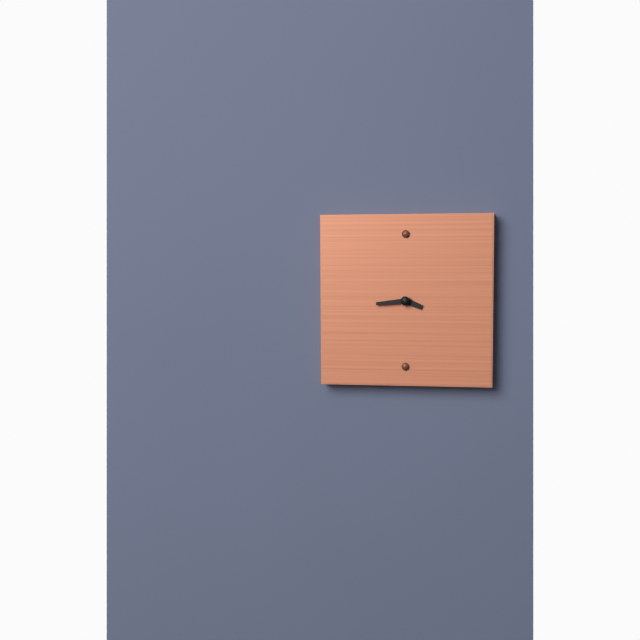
3h44
